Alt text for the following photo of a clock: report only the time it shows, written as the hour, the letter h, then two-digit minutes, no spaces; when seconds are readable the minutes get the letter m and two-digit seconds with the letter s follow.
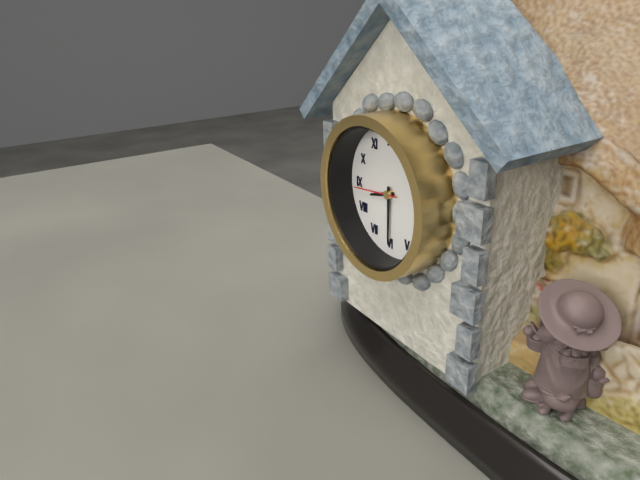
8h30
